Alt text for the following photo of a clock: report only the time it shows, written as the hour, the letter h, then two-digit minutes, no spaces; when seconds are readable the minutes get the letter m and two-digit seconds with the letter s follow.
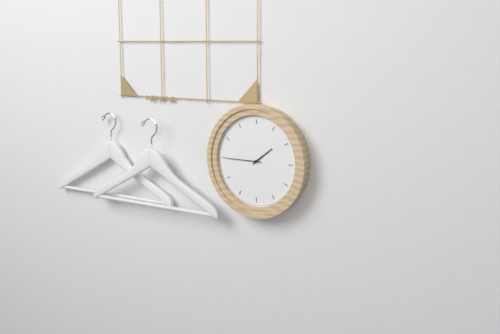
1h45
